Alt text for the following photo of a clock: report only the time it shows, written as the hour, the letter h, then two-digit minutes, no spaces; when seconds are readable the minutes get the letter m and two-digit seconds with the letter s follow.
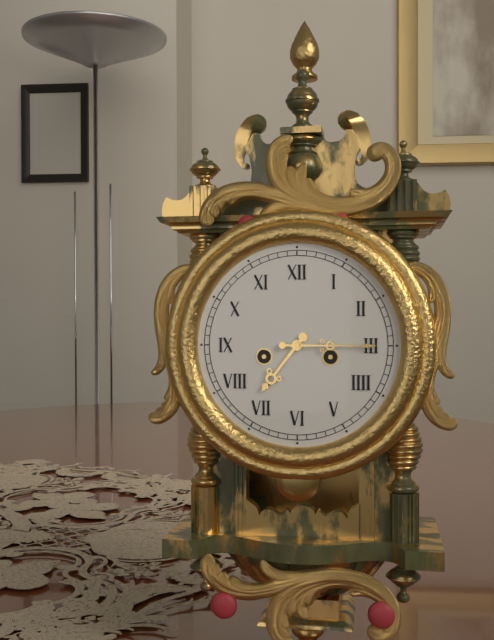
7h15
